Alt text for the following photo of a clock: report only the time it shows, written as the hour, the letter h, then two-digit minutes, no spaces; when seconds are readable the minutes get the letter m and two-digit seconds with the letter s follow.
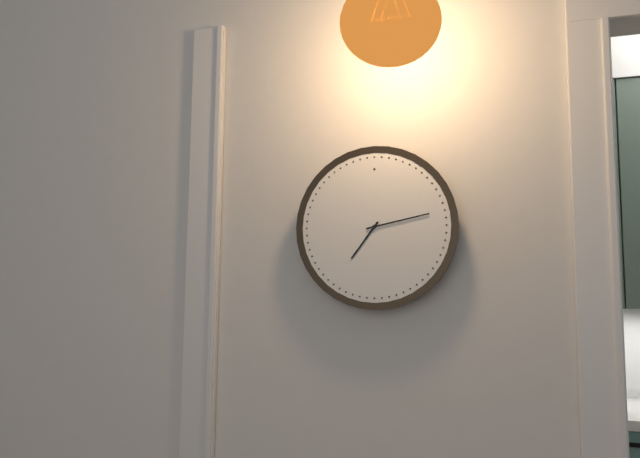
7h13
